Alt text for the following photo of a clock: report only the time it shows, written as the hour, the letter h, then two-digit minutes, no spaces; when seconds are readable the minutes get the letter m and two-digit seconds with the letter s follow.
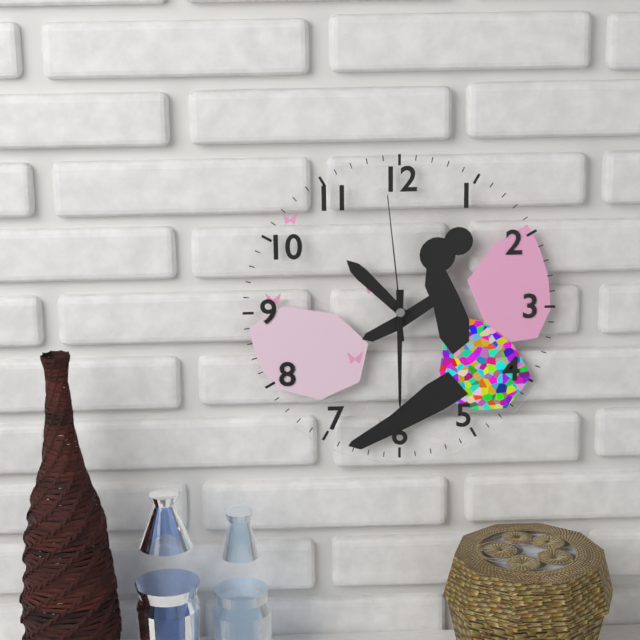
10h30m59s
